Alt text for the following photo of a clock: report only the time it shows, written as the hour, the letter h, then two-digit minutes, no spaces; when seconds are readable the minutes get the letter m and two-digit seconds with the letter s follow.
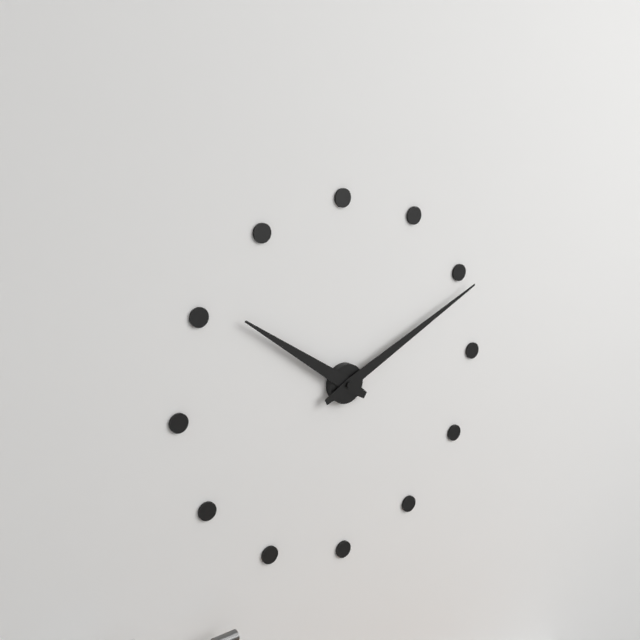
10h11
